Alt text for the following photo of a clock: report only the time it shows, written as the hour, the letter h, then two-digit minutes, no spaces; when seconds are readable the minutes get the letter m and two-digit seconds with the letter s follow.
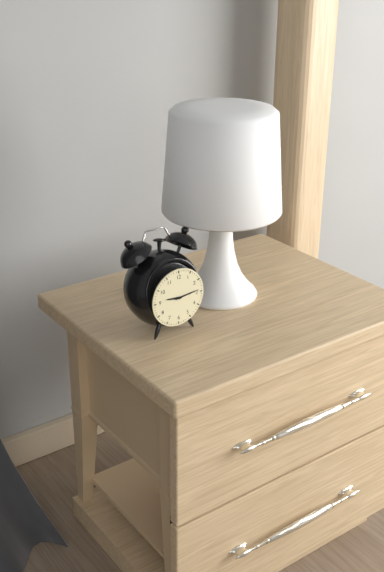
9h14
